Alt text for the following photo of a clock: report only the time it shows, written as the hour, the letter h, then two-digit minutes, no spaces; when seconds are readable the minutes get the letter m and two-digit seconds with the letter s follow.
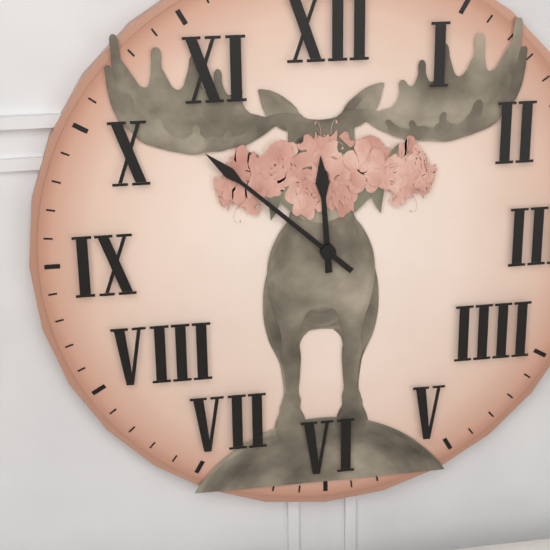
11h52
